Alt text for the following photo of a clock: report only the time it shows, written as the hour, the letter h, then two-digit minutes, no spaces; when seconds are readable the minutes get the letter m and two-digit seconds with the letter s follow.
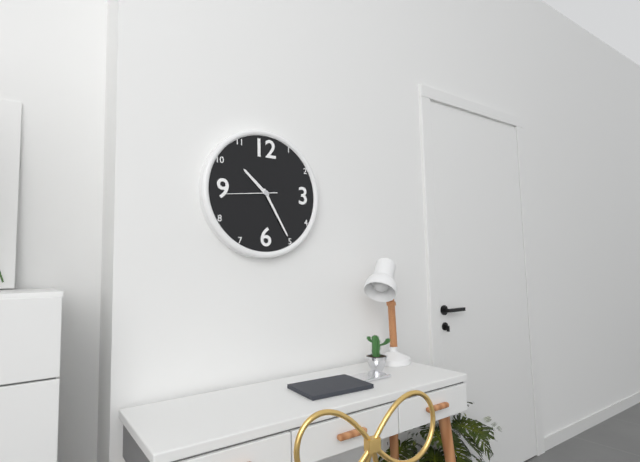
10h25m44s
